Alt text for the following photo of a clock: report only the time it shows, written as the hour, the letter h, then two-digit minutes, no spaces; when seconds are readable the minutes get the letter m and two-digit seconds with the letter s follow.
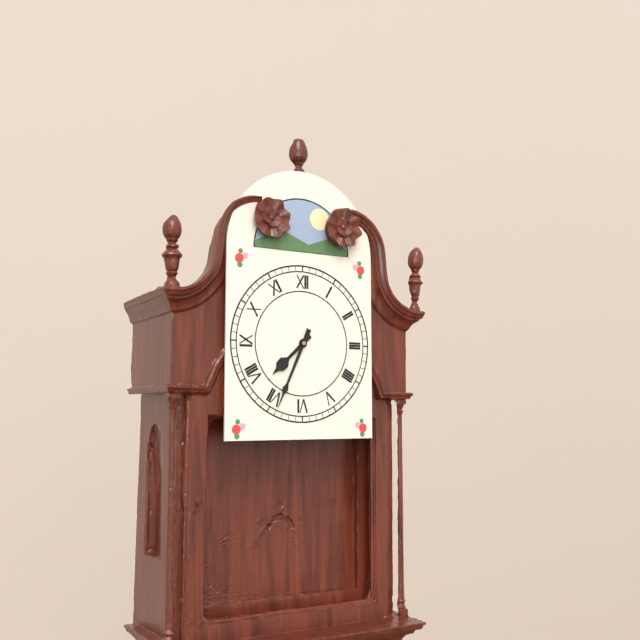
7h34
